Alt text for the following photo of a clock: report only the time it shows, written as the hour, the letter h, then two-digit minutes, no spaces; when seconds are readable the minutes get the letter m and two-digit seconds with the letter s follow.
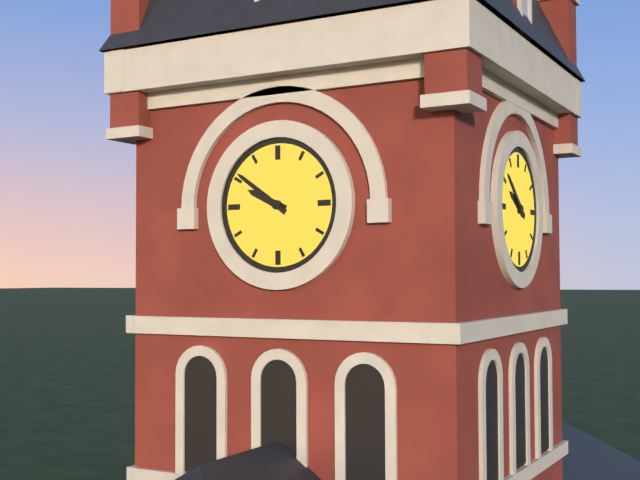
9h51
